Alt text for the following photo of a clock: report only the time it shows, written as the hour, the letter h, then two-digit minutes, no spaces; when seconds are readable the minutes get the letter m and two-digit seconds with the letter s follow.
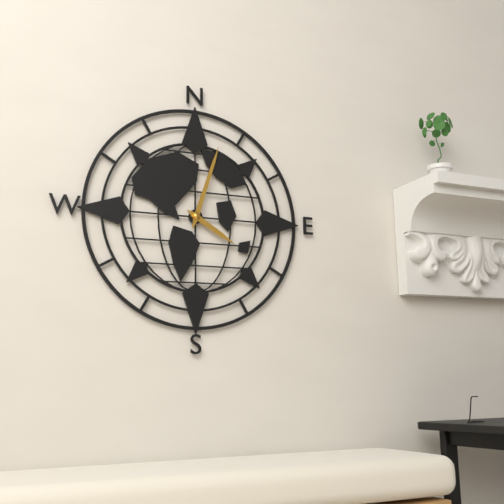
4h03
